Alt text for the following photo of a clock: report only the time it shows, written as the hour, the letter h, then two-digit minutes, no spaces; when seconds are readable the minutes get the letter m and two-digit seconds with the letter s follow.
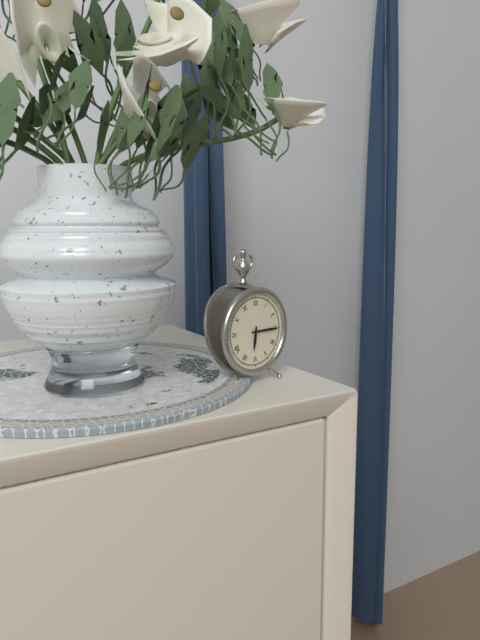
6h15
